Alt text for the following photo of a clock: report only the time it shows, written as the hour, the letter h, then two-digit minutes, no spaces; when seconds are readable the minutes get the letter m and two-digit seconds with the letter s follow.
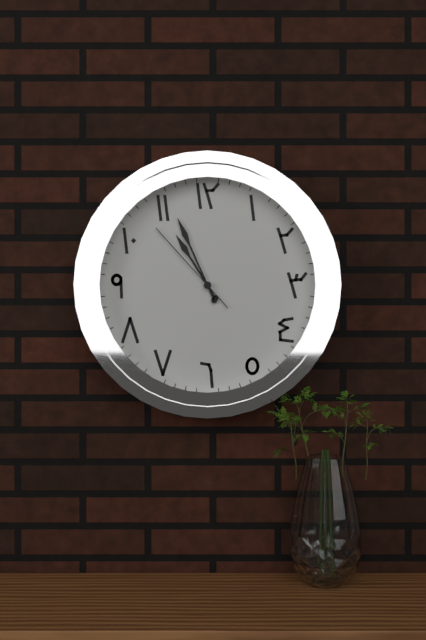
10h56m53s
